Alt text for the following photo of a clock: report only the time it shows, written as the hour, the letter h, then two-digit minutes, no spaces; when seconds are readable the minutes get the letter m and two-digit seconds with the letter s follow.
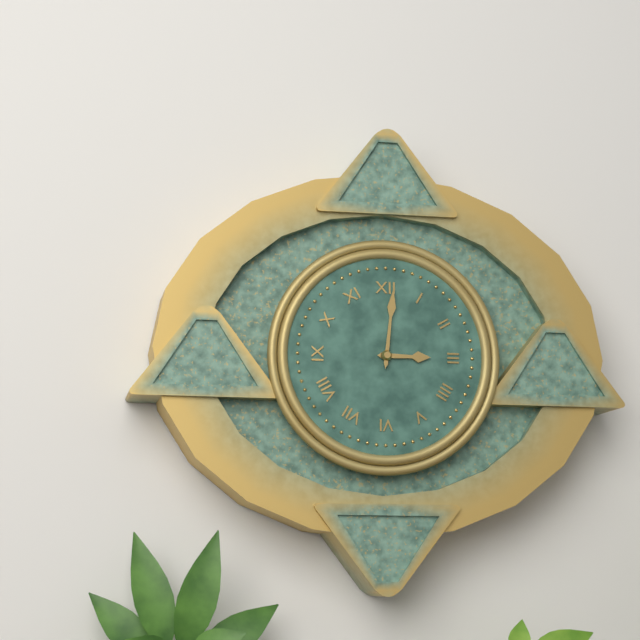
3h01
